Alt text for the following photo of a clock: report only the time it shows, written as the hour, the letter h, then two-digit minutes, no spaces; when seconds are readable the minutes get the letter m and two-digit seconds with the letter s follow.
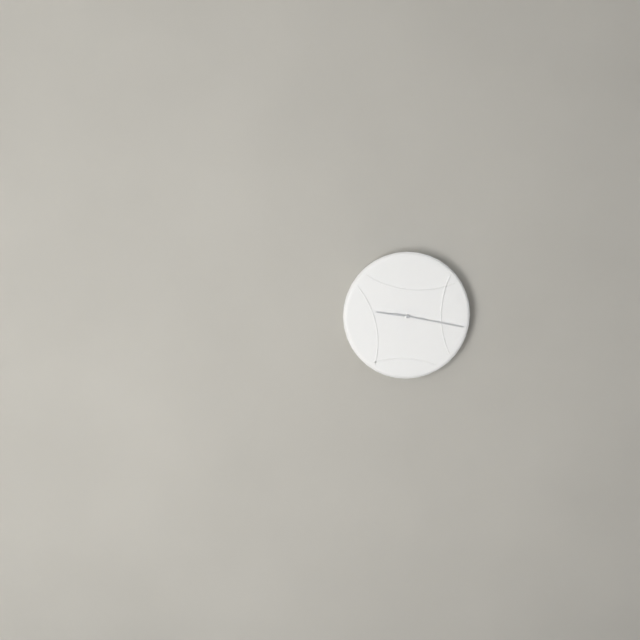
9h17
